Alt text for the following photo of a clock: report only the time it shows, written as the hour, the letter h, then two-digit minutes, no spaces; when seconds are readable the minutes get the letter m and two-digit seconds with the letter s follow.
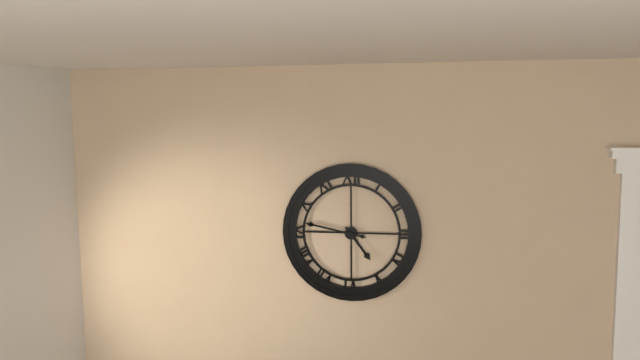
4h47
